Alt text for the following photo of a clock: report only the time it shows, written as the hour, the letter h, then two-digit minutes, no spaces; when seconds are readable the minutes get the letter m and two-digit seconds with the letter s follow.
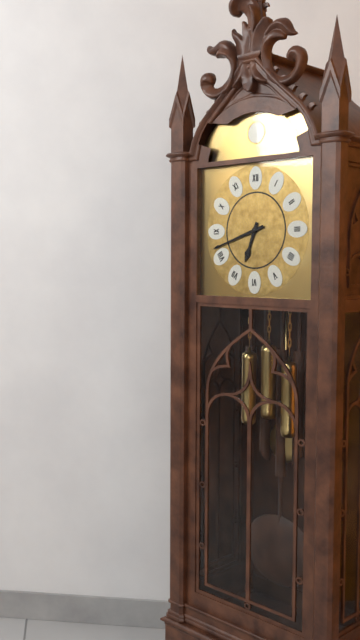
6h42
